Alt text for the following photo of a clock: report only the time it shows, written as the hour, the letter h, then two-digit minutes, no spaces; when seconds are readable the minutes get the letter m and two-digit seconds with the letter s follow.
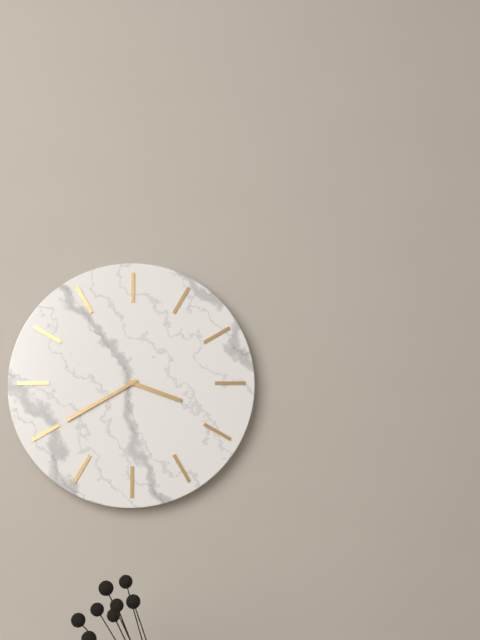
3h40
